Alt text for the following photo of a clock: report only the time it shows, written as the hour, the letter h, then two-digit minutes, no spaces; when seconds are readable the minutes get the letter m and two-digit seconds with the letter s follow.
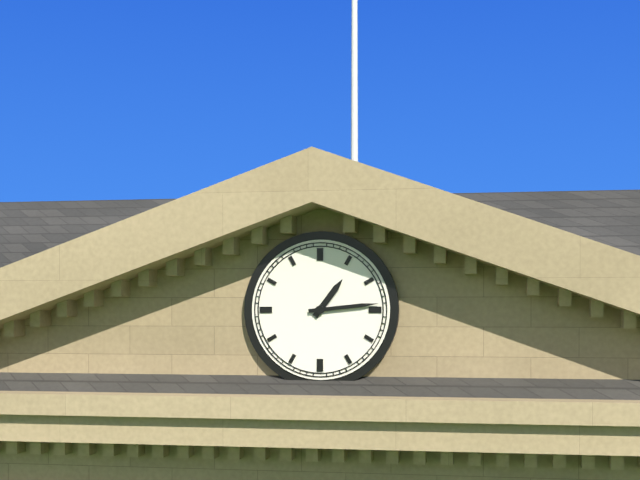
1h14
